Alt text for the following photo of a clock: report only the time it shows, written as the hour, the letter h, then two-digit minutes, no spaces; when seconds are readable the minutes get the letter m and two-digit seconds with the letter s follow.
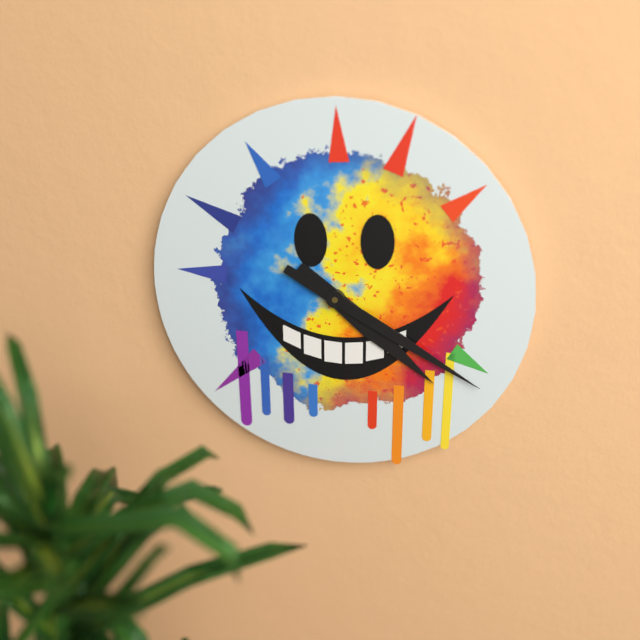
4h20
